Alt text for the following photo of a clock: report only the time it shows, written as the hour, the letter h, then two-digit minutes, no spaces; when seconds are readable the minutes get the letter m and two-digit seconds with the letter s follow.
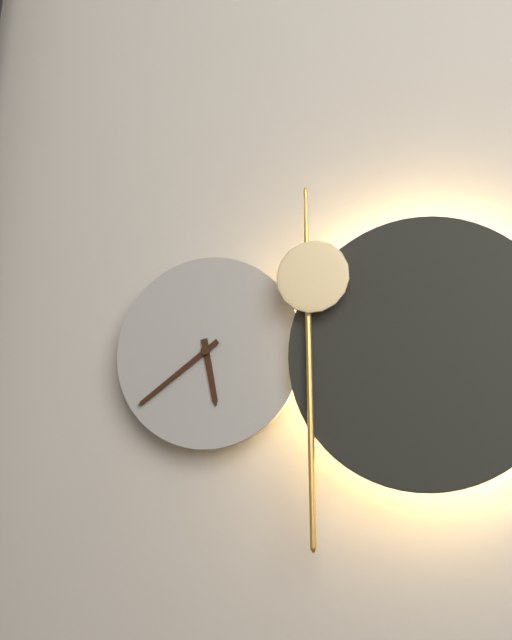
5h39
